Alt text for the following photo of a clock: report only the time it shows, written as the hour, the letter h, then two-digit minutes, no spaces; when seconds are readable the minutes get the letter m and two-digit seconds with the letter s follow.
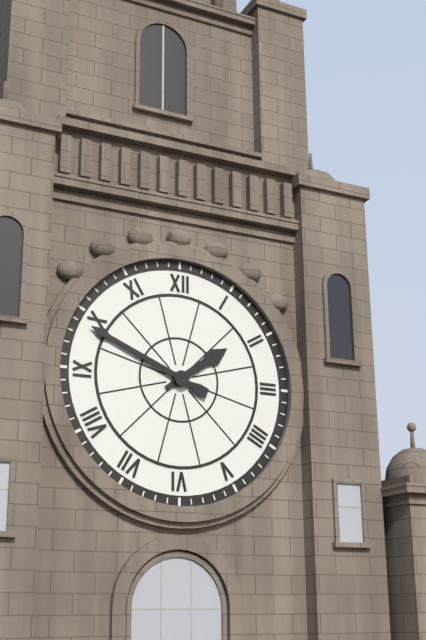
1h49
